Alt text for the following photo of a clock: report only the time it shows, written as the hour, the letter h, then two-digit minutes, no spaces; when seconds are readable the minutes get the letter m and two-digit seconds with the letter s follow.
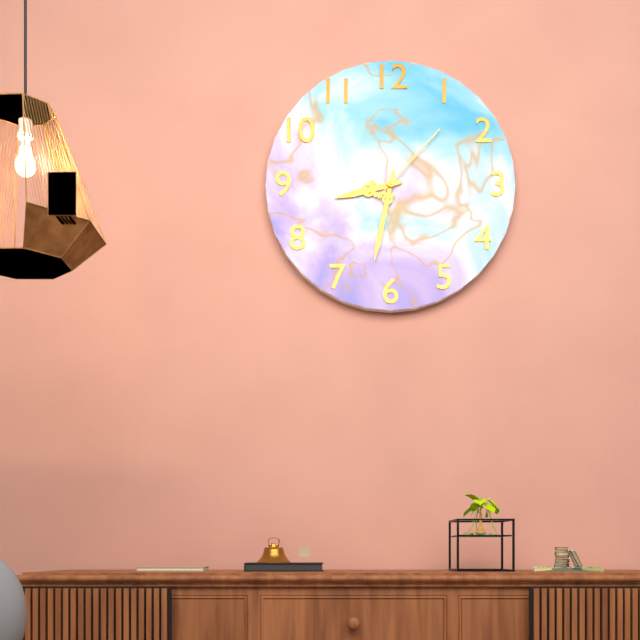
8h32m07s
